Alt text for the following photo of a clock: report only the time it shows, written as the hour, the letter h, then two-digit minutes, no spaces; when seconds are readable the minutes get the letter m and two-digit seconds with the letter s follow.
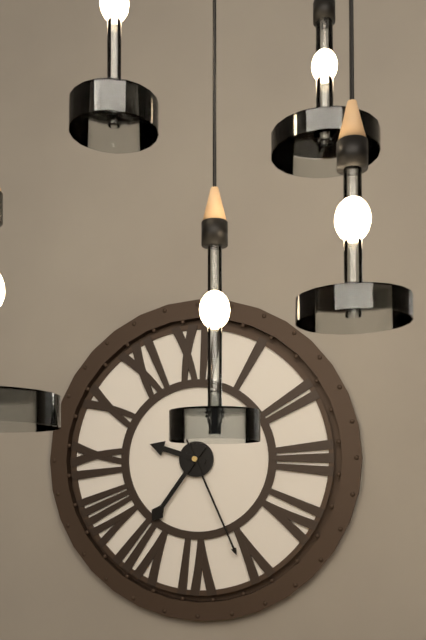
9h36m26s
